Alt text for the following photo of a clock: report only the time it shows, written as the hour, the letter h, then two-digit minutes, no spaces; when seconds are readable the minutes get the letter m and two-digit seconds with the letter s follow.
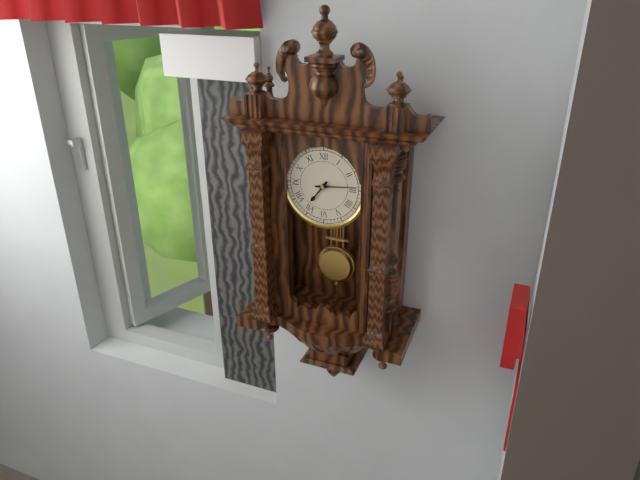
7h14
